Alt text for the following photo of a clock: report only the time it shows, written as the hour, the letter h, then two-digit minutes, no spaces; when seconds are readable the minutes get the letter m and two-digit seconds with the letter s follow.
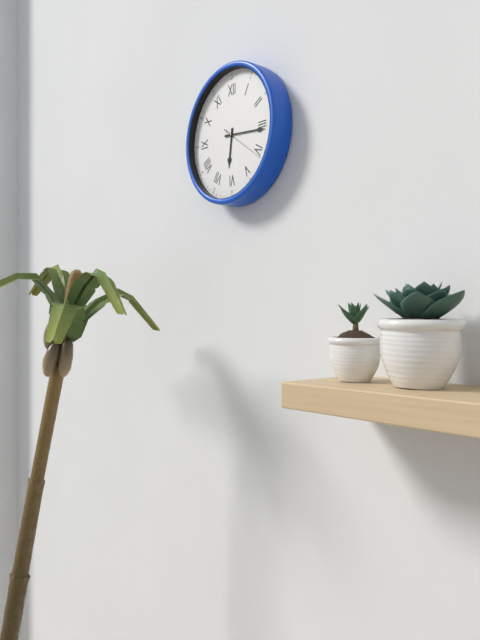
6h16
